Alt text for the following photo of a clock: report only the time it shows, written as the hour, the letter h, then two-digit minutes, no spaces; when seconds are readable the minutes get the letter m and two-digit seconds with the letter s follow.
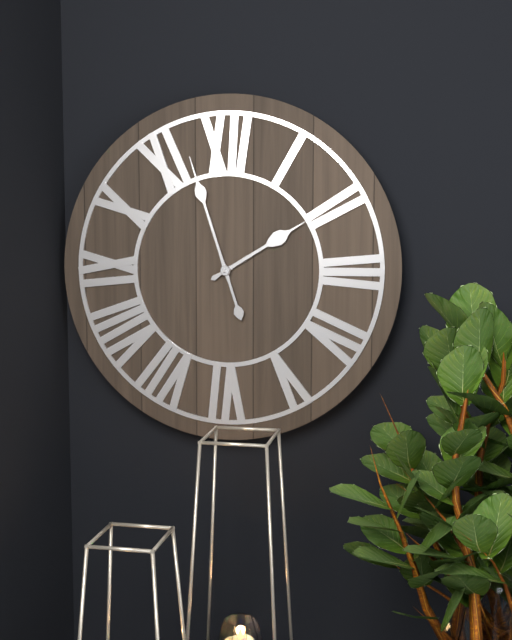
1h57
